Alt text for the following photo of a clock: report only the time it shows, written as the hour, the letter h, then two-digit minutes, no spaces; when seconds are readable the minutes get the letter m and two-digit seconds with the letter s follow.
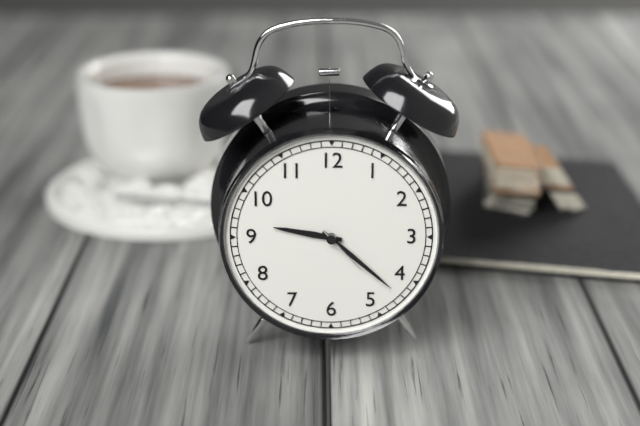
9h22m23s
